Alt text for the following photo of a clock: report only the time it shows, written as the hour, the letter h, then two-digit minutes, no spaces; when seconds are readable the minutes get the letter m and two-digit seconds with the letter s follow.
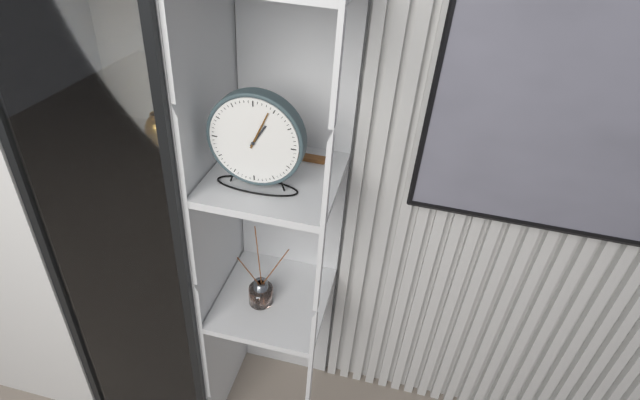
1h04
